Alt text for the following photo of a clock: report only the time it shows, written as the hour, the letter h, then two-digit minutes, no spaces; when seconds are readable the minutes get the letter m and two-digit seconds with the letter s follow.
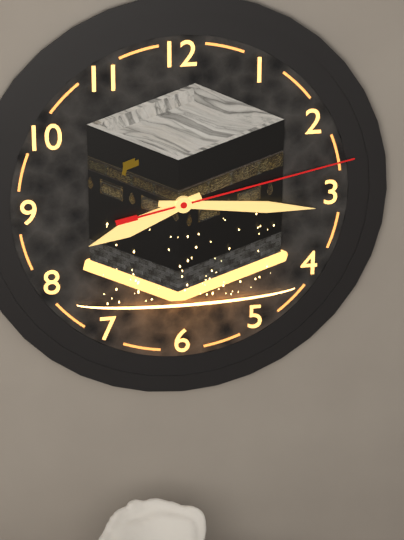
8h16m13s
